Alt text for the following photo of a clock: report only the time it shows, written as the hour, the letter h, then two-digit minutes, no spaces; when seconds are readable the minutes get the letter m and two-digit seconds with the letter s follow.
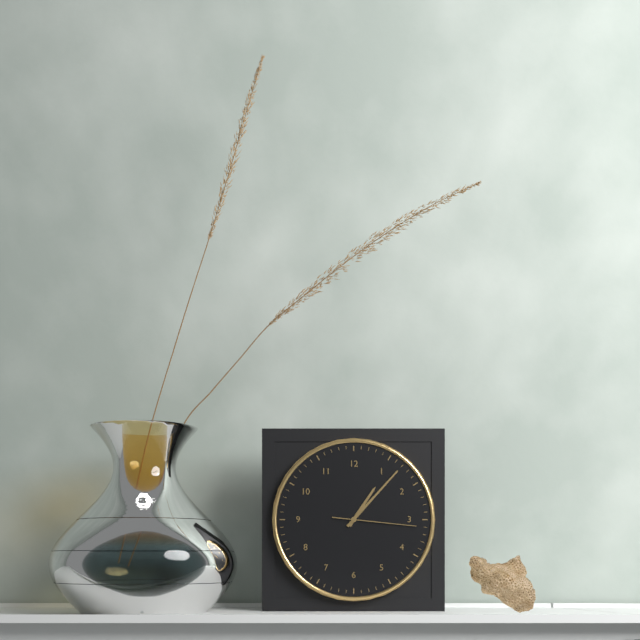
1h07m16s
